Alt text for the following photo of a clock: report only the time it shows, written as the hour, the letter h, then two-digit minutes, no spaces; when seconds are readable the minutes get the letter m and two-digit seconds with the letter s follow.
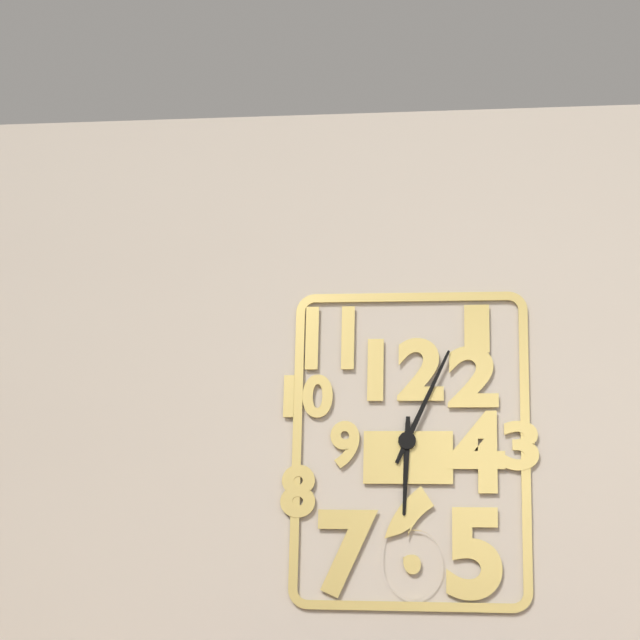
6h04
